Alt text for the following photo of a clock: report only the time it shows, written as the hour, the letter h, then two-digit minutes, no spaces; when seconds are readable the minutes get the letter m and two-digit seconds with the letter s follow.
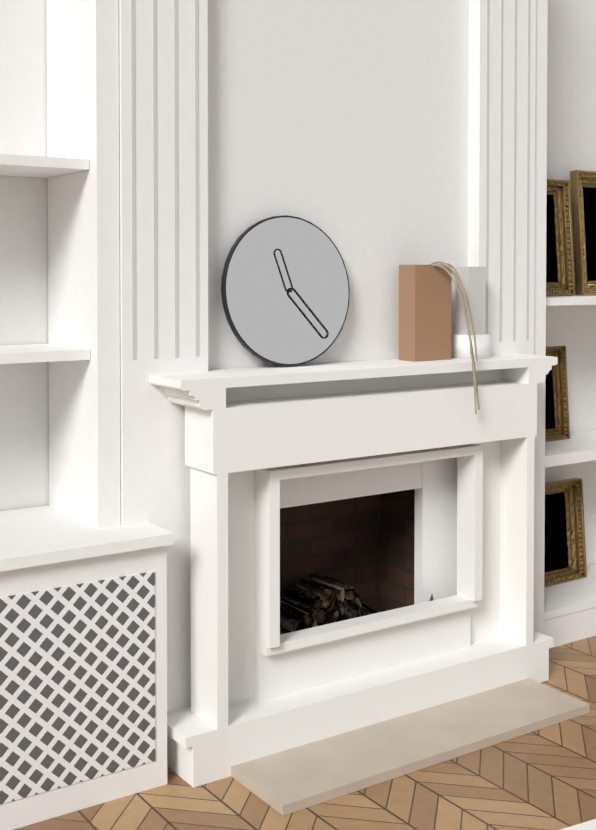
11h23
